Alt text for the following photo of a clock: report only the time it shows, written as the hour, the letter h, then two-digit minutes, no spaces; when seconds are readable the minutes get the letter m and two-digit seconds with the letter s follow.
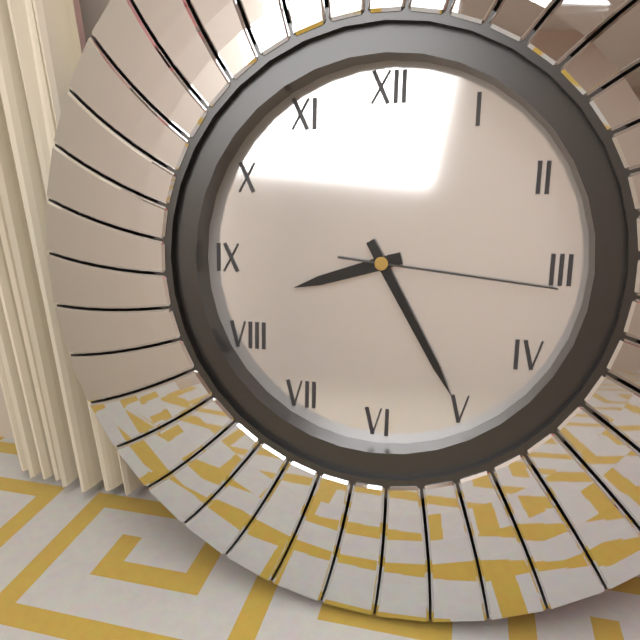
8h25m16s
